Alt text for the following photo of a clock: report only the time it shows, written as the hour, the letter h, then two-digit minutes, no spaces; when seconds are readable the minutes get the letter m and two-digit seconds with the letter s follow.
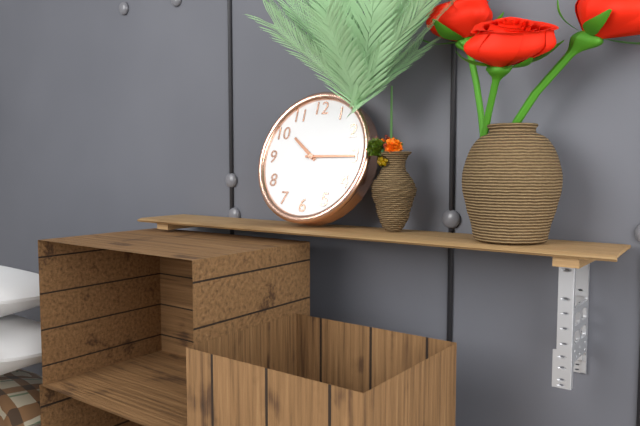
10h15
